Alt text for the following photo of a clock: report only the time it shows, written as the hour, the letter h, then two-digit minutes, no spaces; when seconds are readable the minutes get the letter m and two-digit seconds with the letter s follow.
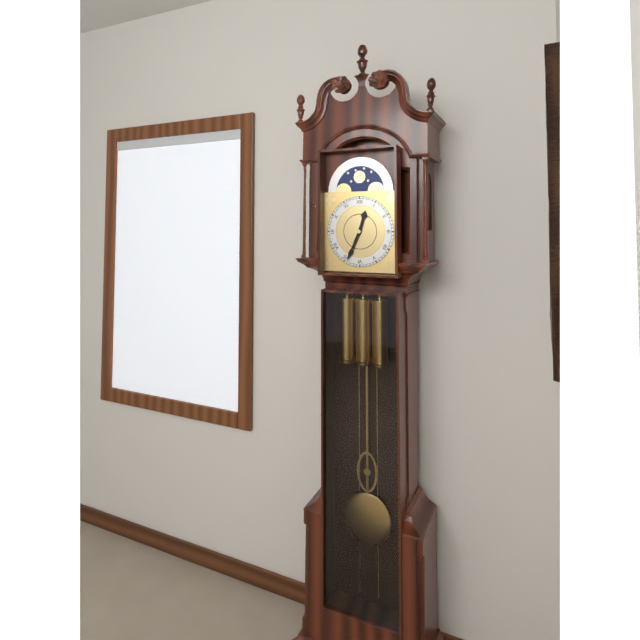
12h34
